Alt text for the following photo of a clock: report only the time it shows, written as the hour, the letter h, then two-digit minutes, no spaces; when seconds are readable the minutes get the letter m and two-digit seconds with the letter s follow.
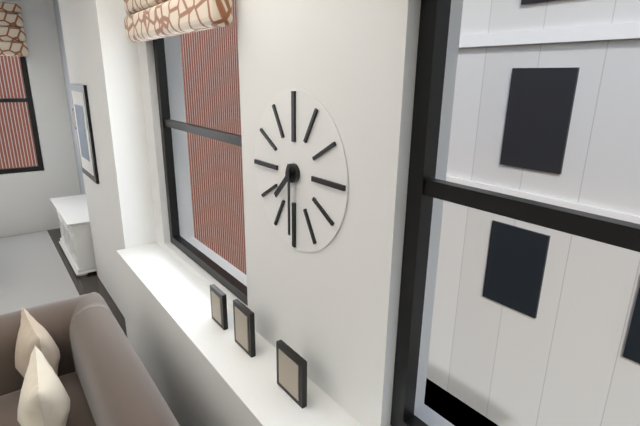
7h30
